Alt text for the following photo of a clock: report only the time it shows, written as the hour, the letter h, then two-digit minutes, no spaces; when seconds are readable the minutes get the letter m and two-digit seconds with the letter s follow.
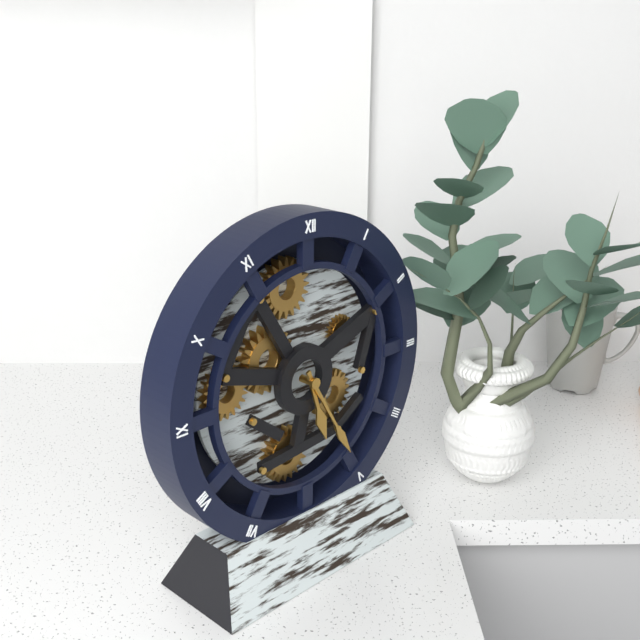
5h25
